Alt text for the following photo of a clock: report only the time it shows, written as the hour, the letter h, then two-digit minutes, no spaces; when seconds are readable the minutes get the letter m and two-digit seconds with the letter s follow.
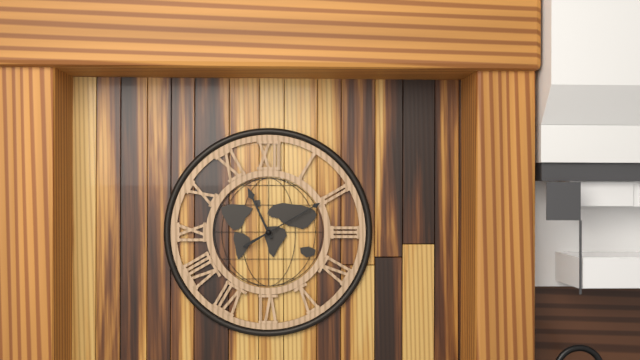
11h10
